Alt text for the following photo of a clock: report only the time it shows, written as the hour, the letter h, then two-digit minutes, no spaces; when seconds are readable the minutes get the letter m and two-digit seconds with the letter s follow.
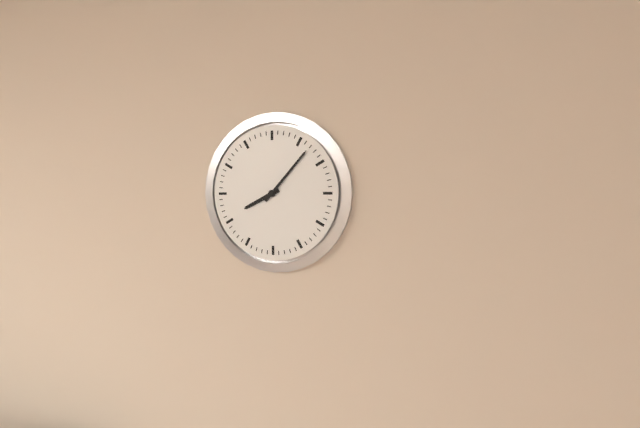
8h07
